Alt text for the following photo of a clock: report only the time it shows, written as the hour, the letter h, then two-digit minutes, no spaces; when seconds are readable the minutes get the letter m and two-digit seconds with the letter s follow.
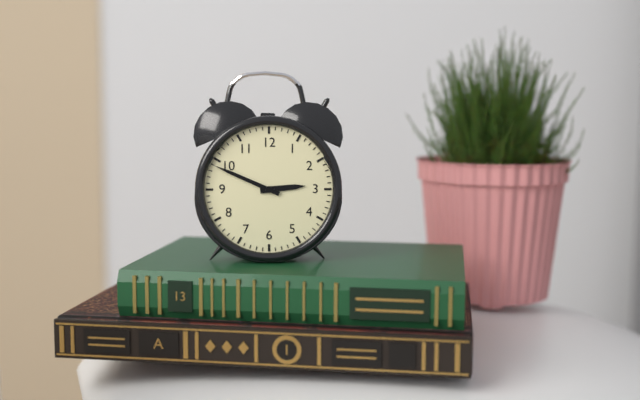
2h49
